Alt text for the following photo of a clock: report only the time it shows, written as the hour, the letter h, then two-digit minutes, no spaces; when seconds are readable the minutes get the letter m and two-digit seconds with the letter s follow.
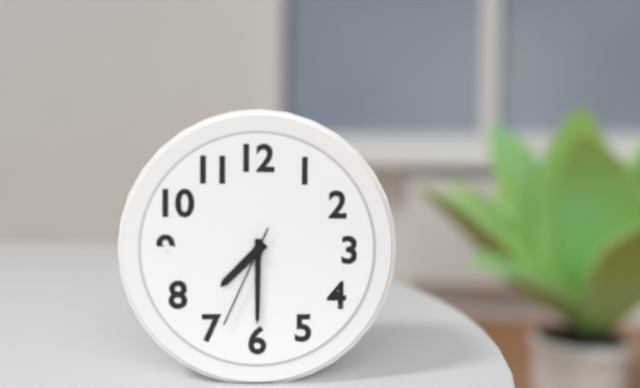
7h30m34s
